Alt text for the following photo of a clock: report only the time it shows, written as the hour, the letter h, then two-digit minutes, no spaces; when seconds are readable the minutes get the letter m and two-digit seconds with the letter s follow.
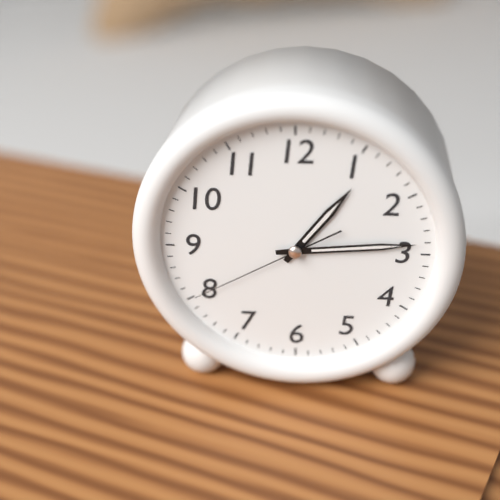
1h14m40s
